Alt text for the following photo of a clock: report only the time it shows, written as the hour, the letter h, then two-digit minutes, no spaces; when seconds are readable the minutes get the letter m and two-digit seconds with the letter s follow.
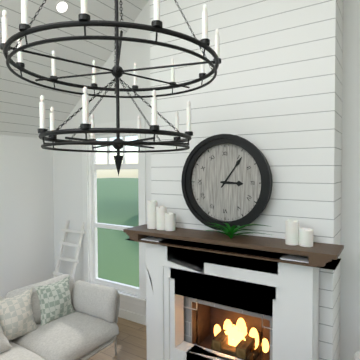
3h06
